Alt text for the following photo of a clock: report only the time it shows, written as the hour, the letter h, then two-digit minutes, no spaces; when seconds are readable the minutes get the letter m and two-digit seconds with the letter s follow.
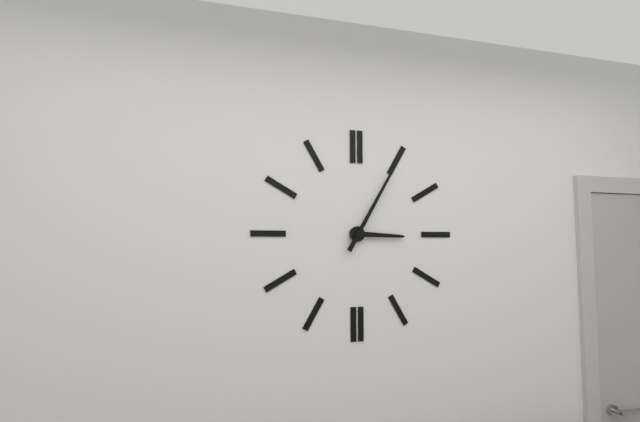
3h05
